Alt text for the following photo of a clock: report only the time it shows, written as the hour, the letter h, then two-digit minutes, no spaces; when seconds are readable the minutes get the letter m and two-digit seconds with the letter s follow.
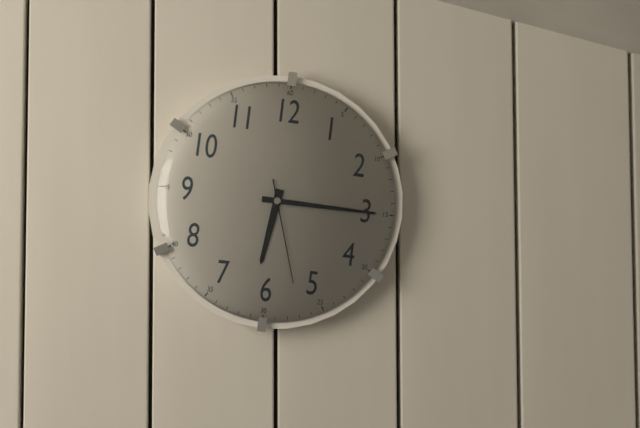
6h15m27s
